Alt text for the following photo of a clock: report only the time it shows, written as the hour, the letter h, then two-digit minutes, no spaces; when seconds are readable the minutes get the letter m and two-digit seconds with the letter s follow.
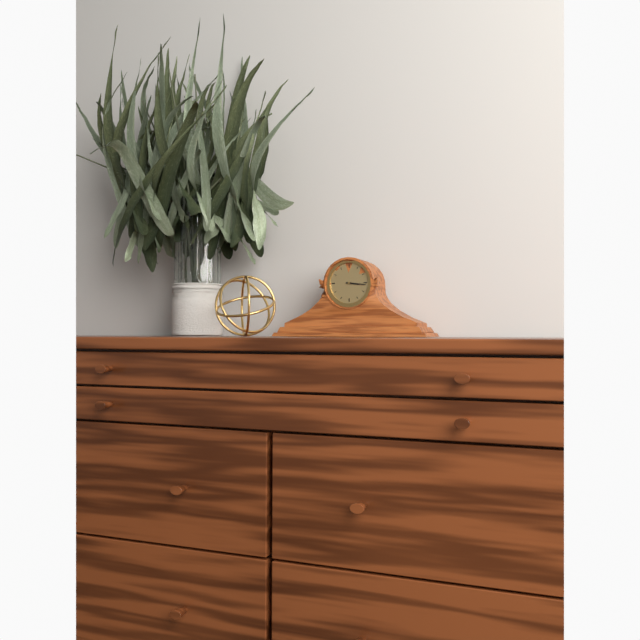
3h16
